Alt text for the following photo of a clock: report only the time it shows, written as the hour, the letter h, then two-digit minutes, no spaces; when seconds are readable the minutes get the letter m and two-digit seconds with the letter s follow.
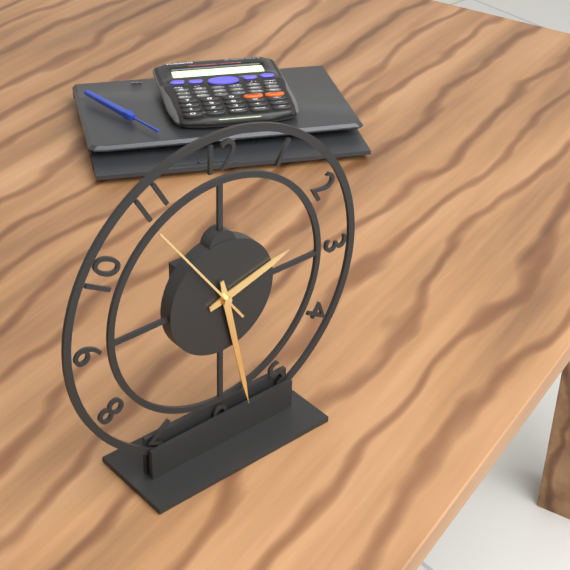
2h28m54s
